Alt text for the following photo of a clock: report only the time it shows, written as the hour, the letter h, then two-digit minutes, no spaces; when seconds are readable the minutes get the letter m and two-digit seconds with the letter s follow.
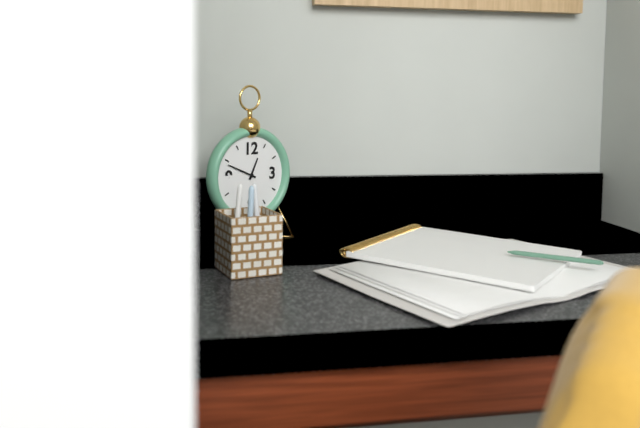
12h49
